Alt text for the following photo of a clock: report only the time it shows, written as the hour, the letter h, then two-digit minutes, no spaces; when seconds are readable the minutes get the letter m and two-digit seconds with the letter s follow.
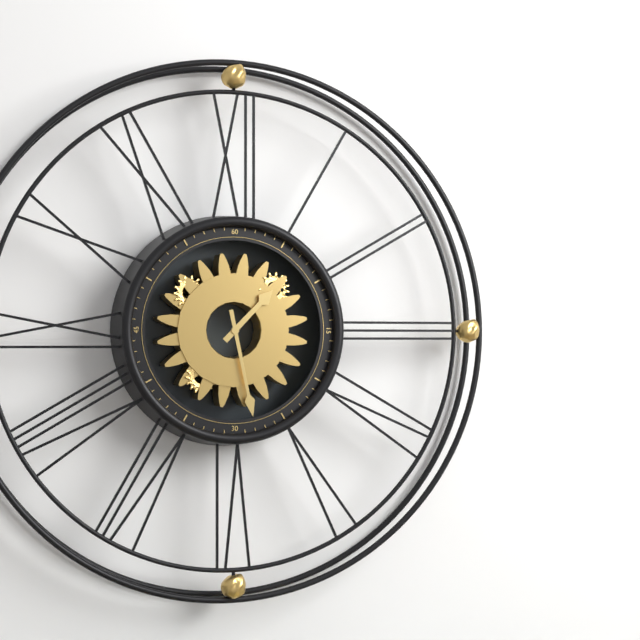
1h28
